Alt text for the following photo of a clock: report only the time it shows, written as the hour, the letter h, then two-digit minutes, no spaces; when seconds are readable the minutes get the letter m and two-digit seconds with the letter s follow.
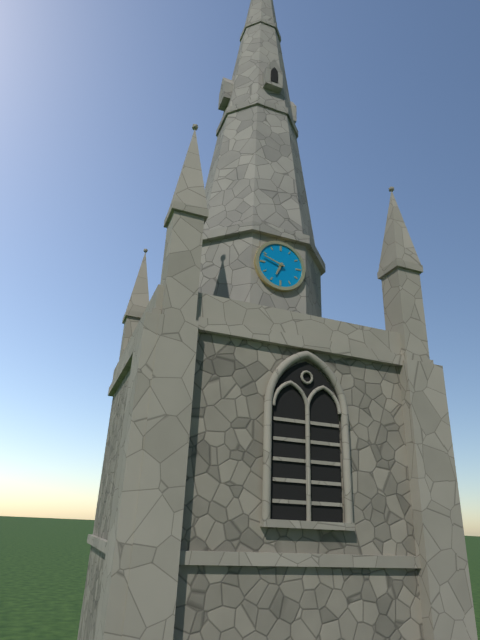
6h48
